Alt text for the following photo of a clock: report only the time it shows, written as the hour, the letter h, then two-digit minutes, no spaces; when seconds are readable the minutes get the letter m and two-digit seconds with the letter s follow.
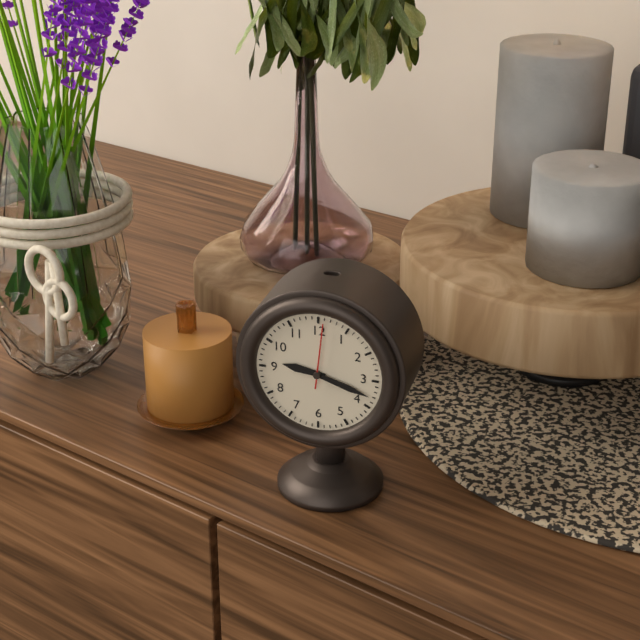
9h18m01s
